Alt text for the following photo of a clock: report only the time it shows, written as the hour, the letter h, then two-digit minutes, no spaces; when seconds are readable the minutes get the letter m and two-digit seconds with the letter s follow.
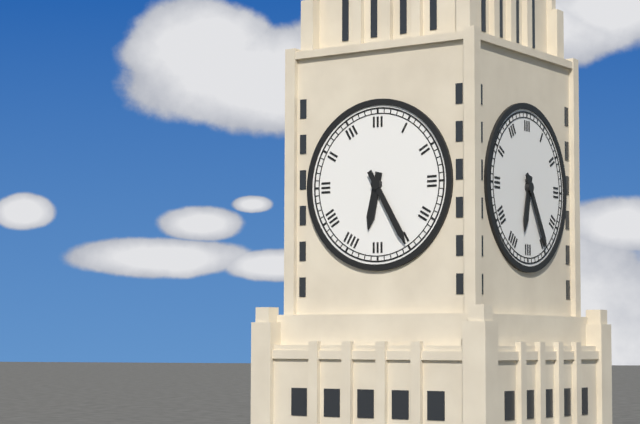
6h25
